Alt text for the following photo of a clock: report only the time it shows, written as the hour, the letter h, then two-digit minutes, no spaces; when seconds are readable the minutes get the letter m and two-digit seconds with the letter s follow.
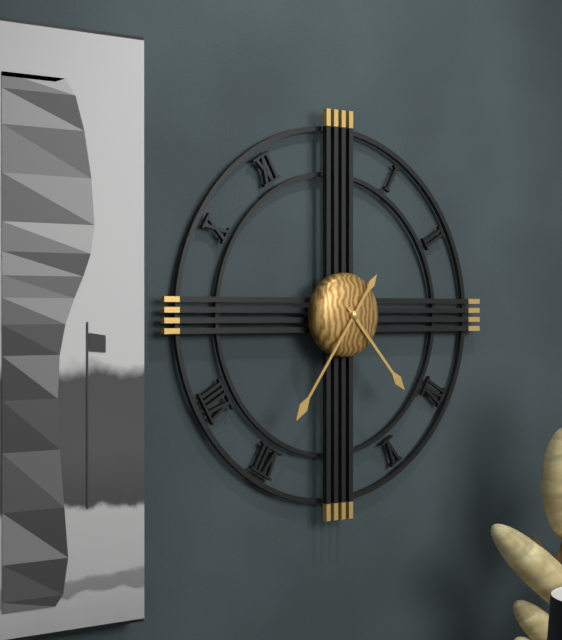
4h36
